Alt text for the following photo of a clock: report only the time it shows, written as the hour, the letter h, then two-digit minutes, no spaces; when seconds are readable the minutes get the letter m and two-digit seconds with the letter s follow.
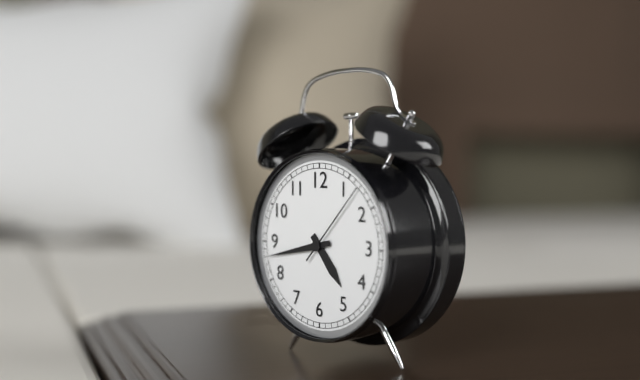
4h43m07s
